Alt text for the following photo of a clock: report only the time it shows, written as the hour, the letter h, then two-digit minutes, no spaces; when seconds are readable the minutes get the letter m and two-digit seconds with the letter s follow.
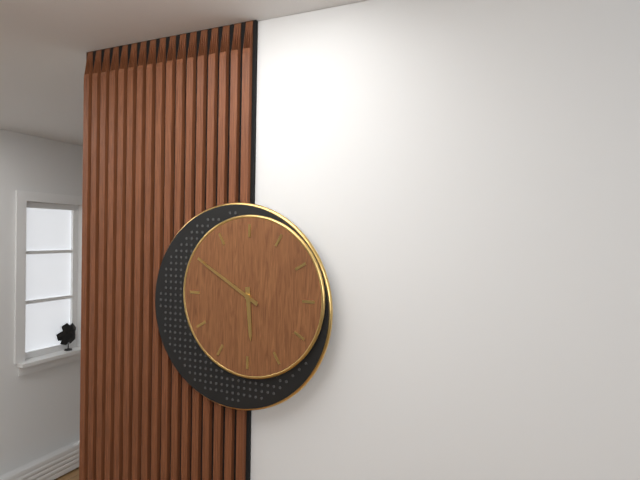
5h50
